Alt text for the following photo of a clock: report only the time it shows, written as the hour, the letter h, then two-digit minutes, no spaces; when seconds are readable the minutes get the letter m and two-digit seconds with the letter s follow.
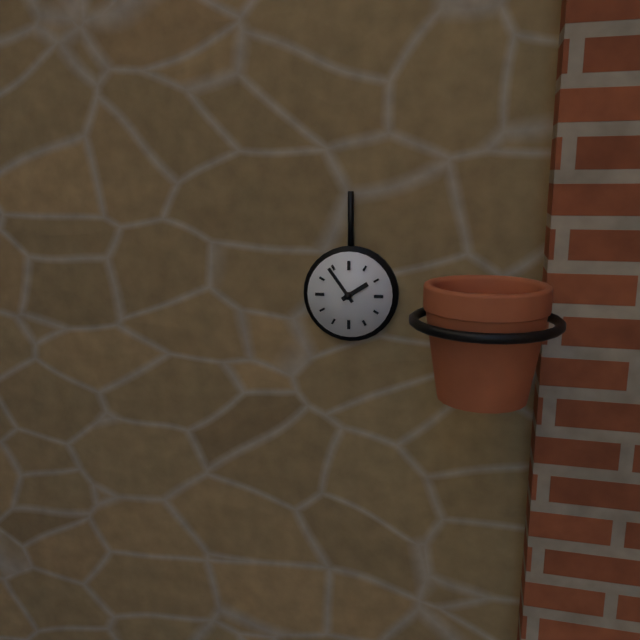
1h54
